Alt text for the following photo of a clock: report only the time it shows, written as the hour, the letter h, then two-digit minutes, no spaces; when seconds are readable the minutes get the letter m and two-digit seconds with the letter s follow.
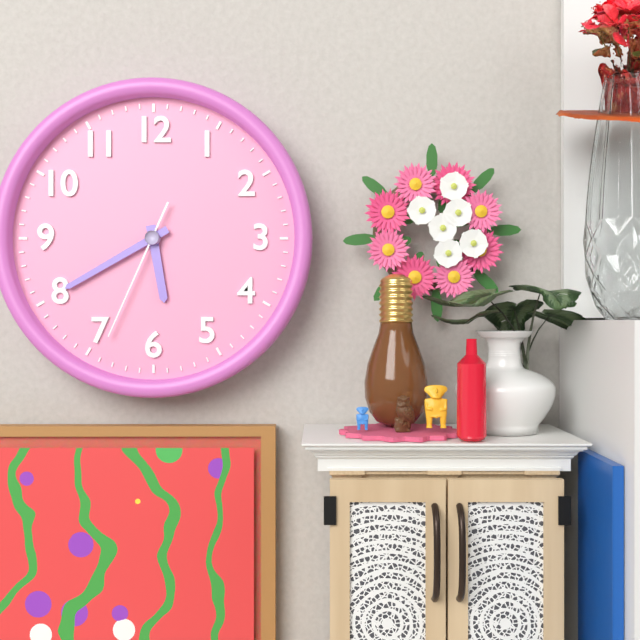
5h40m34s
